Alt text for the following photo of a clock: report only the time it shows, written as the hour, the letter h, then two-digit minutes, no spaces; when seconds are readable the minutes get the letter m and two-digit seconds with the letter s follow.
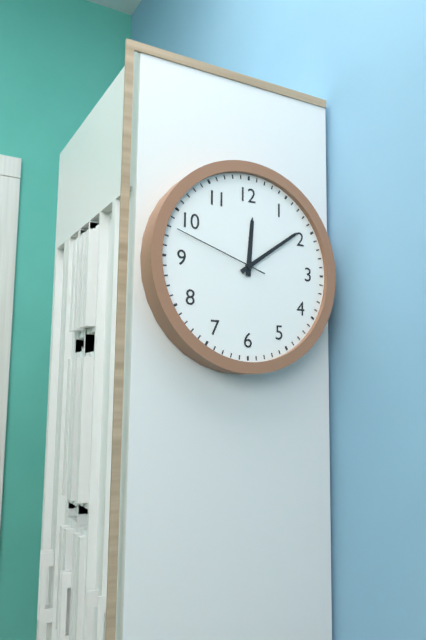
12h09m48s
